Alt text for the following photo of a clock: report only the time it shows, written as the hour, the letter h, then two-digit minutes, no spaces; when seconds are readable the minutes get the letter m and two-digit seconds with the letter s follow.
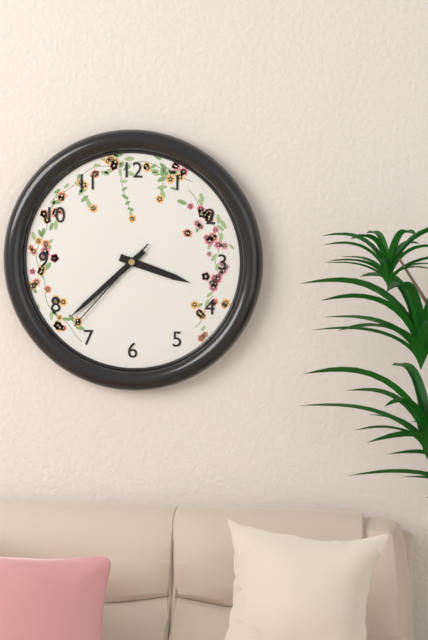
3h38m37s
